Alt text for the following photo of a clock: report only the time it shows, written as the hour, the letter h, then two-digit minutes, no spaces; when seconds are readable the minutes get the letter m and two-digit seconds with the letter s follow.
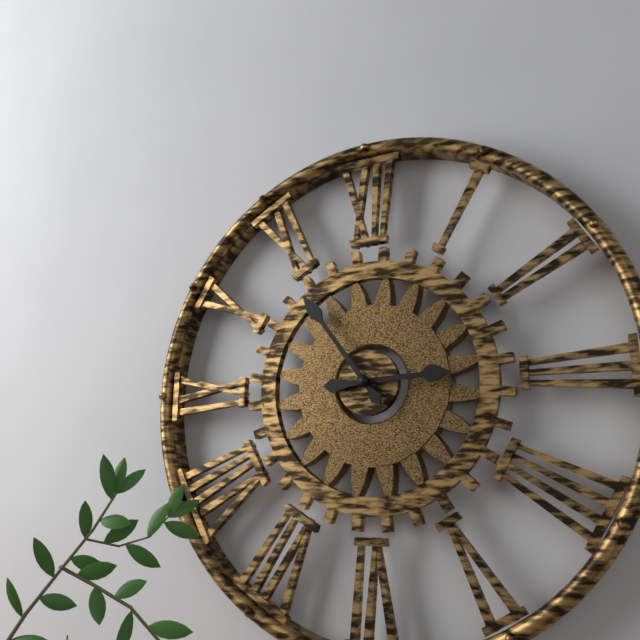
2h54
